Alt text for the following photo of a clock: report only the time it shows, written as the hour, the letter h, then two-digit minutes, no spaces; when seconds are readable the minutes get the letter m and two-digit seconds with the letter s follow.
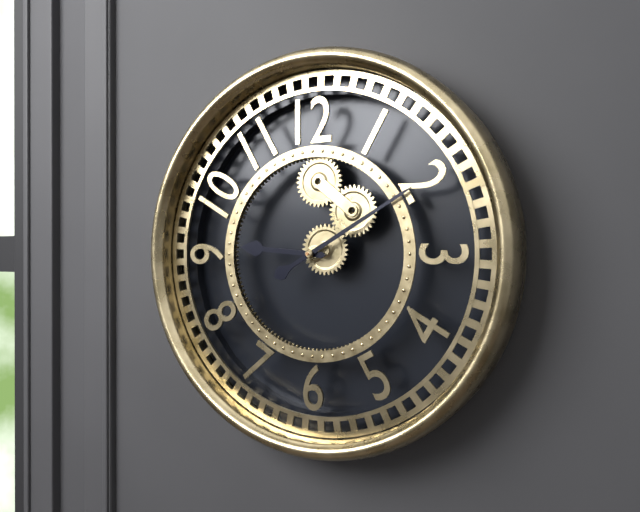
9h10
